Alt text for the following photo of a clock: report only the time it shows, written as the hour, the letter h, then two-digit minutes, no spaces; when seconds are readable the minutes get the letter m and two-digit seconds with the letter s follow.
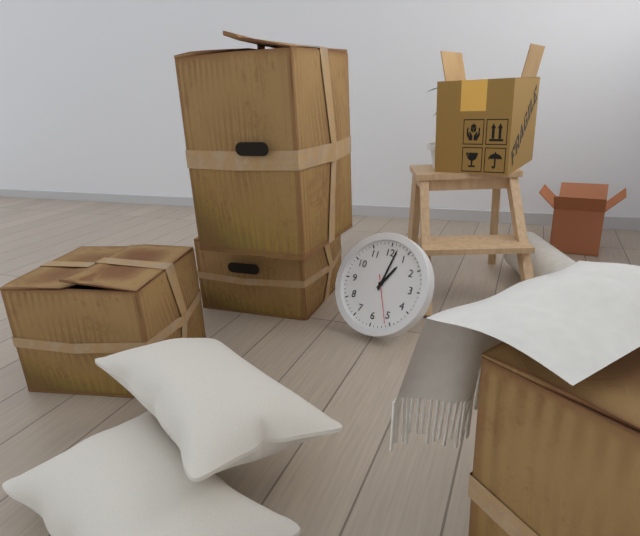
1h02
